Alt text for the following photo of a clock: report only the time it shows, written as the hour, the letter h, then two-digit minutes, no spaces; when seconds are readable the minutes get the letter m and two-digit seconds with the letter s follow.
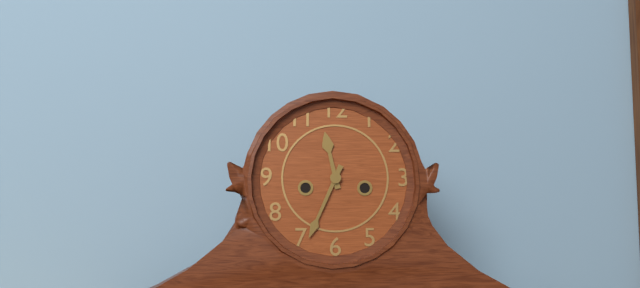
11h34
